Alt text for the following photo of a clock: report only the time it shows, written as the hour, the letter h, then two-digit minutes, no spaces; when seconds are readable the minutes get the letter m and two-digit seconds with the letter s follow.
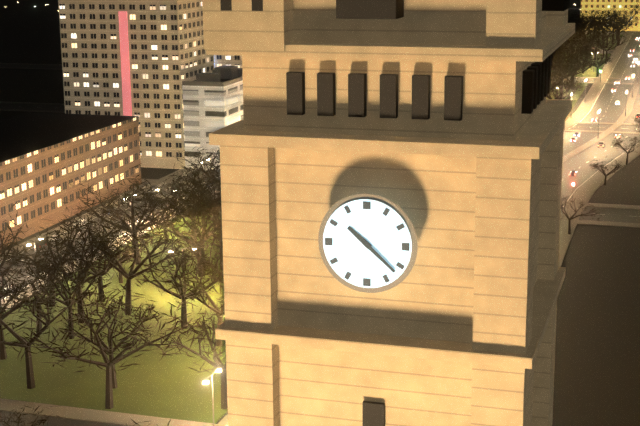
10h22
